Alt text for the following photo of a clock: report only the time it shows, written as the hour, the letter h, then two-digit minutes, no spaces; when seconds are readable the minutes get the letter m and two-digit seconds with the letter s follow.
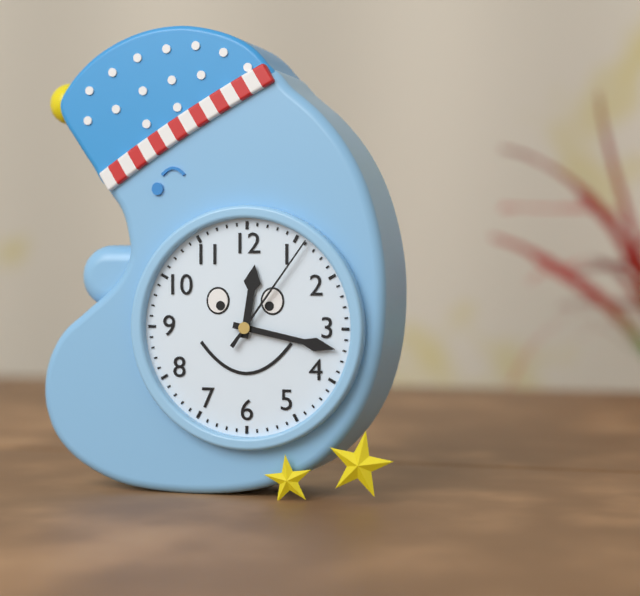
12h17m06s
